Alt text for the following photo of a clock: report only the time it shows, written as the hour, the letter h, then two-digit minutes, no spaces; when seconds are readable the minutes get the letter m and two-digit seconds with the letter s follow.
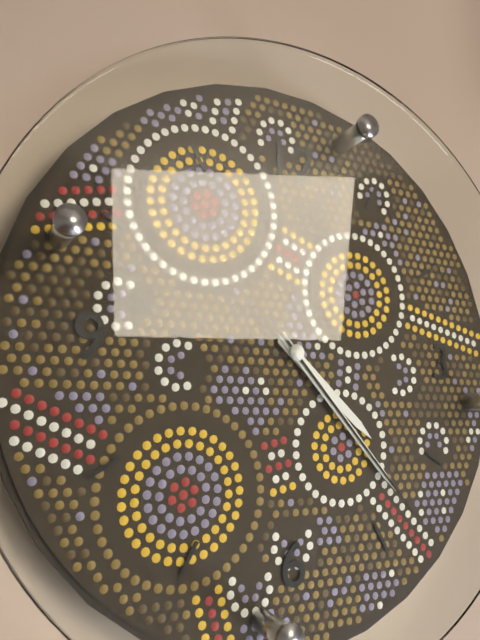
4h23m23s
